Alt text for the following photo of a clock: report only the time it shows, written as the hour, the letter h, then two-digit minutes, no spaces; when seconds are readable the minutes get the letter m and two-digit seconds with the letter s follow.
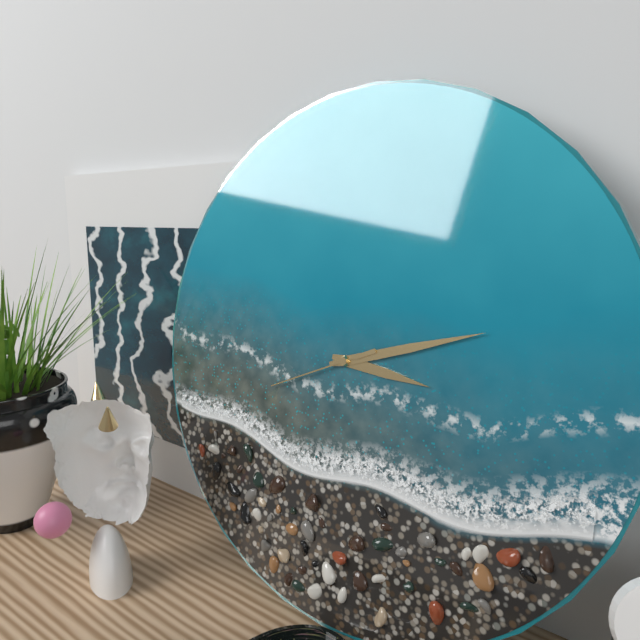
3h12m41s
